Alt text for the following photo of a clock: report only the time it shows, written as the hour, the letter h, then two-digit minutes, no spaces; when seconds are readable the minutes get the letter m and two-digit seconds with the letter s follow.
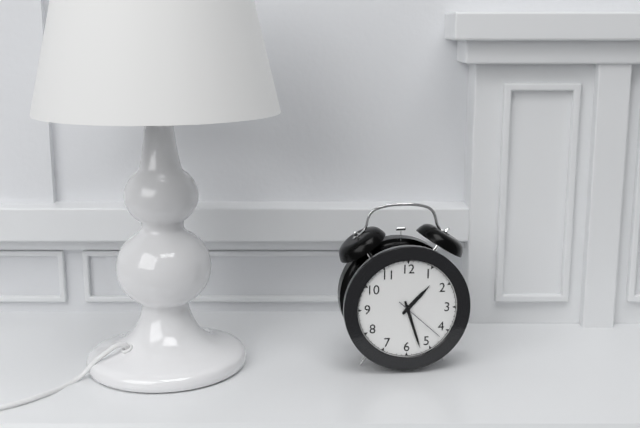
1h27m22s
